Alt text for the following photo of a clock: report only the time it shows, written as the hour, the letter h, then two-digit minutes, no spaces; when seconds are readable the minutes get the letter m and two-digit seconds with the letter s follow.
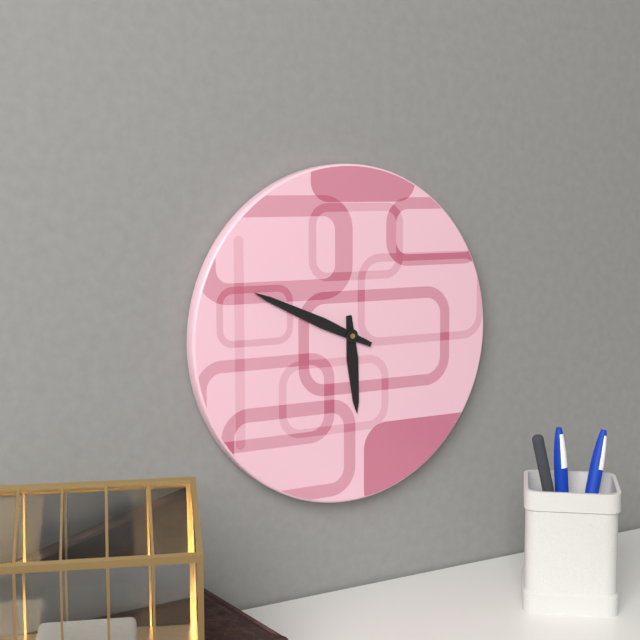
5h49
